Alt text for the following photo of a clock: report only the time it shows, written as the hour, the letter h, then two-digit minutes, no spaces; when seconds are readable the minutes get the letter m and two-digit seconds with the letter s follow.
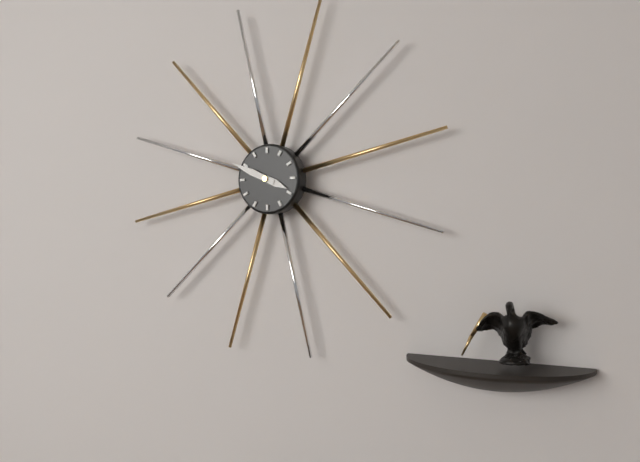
3h49
